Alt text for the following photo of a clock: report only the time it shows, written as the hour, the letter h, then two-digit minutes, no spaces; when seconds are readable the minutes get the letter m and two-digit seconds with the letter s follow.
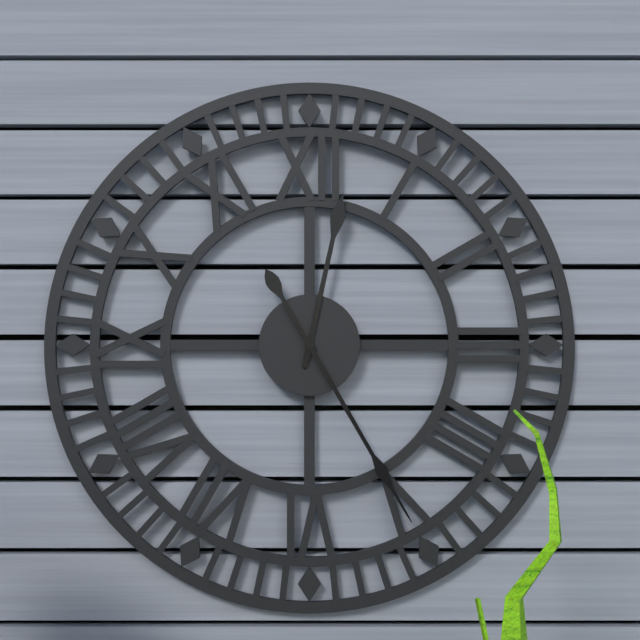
12h25
